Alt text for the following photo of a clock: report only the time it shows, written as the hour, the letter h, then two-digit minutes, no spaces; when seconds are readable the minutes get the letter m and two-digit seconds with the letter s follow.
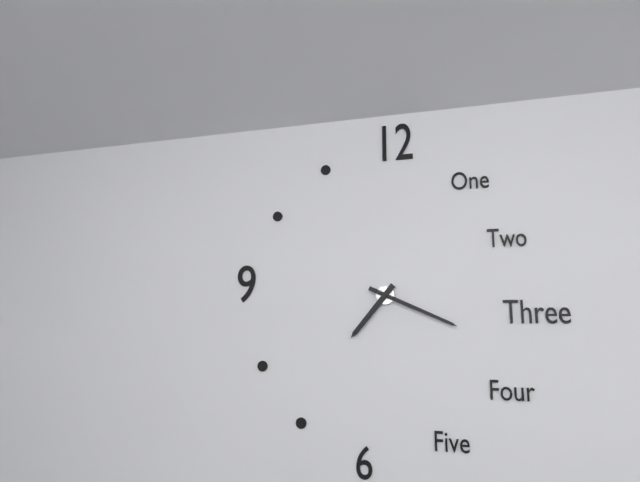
7h19
